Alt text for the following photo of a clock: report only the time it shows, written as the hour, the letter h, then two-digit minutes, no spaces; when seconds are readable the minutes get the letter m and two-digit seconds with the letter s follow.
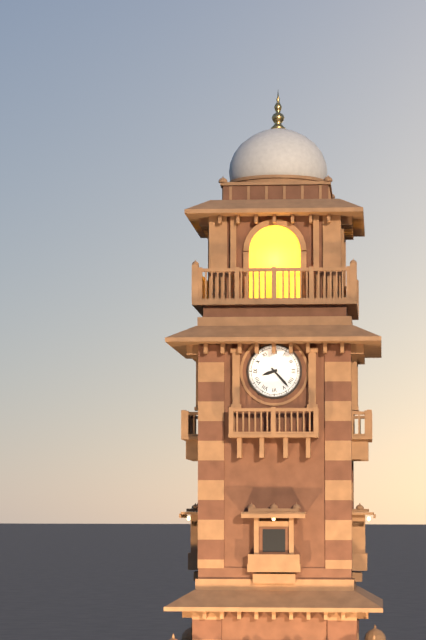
8h23
